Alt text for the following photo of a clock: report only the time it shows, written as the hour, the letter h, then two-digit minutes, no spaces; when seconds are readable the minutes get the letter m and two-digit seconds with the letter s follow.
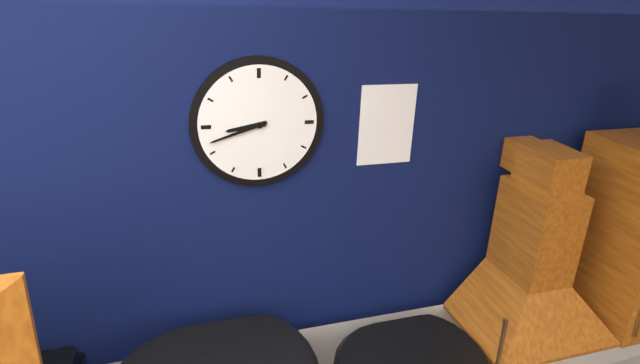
8h42
